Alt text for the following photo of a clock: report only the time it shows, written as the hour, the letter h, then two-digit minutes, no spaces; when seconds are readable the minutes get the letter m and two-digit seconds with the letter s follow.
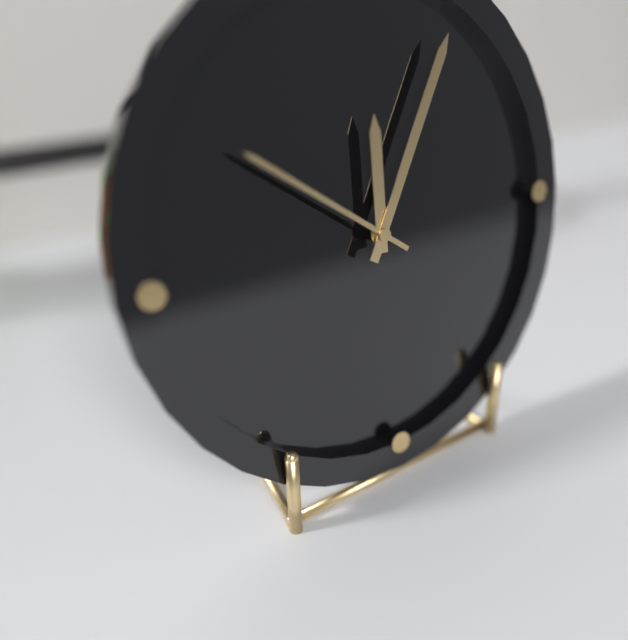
12h05m51s
